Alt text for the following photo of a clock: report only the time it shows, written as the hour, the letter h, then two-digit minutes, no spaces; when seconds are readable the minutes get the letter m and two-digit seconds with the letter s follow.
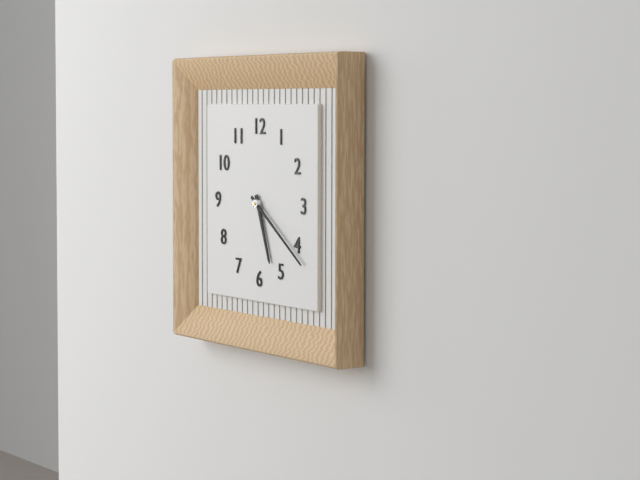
5h21
